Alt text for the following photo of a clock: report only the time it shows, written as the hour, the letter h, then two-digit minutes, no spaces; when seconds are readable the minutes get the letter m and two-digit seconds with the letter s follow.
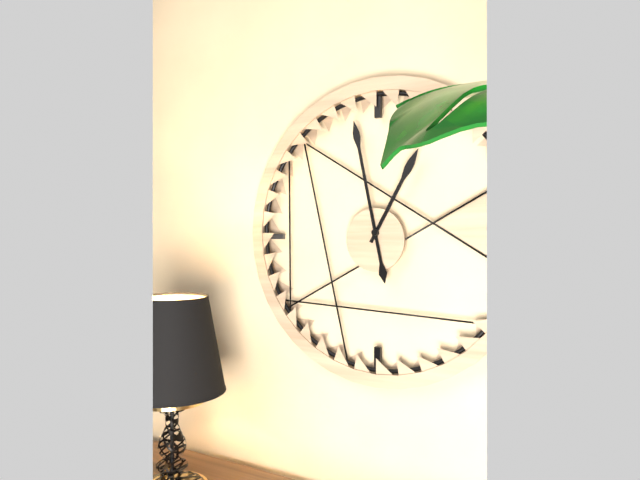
12h58
